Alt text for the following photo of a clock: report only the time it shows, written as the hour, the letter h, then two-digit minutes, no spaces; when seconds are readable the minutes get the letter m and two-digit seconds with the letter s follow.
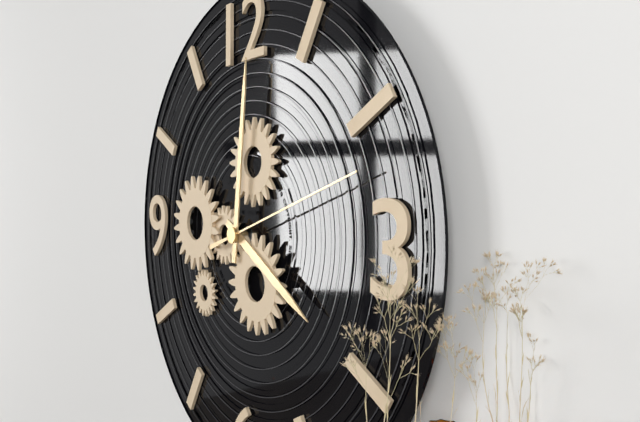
4h01m12s
